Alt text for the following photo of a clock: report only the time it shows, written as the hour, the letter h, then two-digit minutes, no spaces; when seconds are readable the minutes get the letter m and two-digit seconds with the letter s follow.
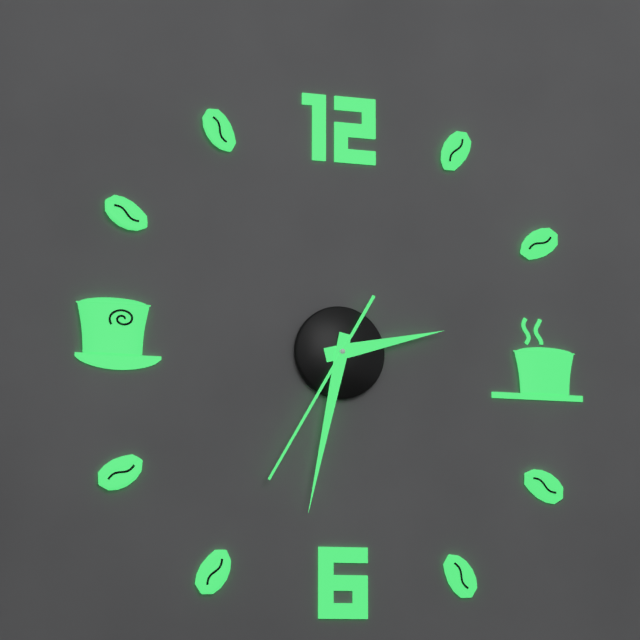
2h32m35s
